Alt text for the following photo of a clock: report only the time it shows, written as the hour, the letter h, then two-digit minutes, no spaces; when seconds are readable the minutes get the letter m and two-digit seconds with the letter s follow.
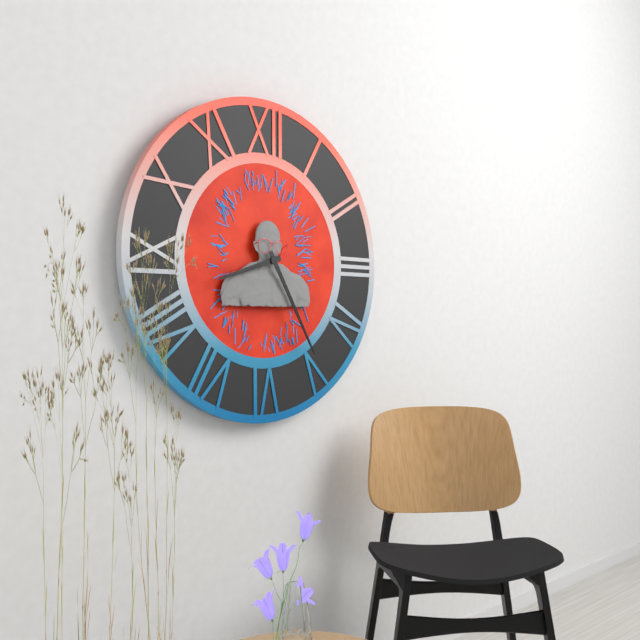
8h25
